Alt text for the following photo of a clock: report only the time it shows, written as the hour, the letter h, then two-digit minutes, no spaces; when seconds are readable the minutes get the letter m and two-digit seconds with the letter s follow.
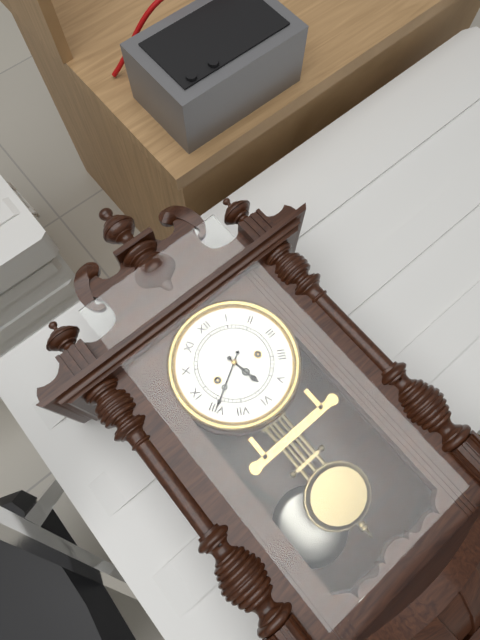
5h40
